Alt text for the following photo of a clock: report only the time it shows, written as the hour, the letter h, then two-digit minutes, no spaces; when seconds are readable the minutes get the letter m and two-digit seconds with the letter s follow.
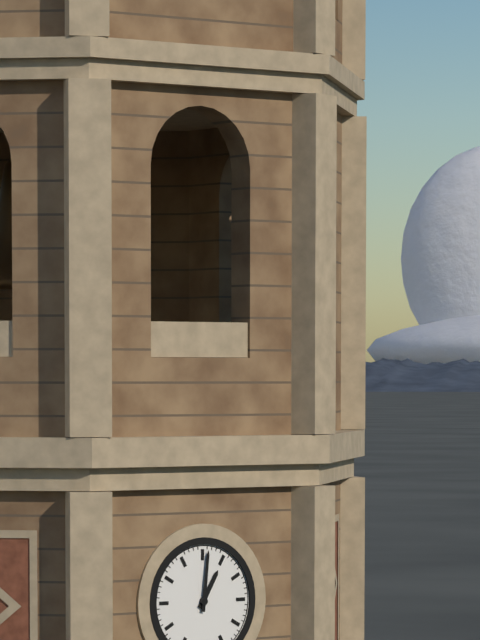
1h01
